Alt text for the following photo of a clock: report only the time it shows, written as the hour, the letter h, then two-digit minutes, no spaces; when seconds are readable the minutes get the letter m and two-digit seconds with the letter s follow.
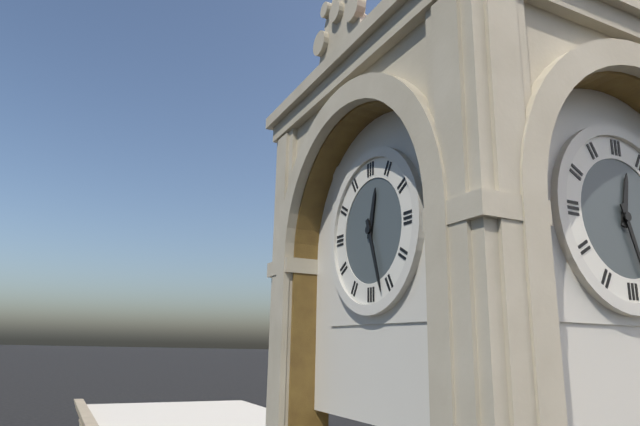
12h27
